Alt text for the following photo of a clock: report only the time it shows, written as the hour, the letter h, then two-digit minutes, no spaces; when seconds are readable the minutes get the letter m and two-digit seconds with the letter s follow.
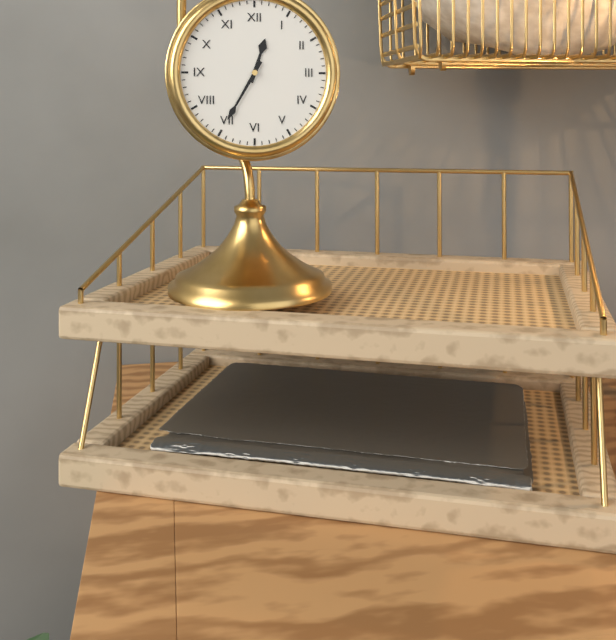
12h35
